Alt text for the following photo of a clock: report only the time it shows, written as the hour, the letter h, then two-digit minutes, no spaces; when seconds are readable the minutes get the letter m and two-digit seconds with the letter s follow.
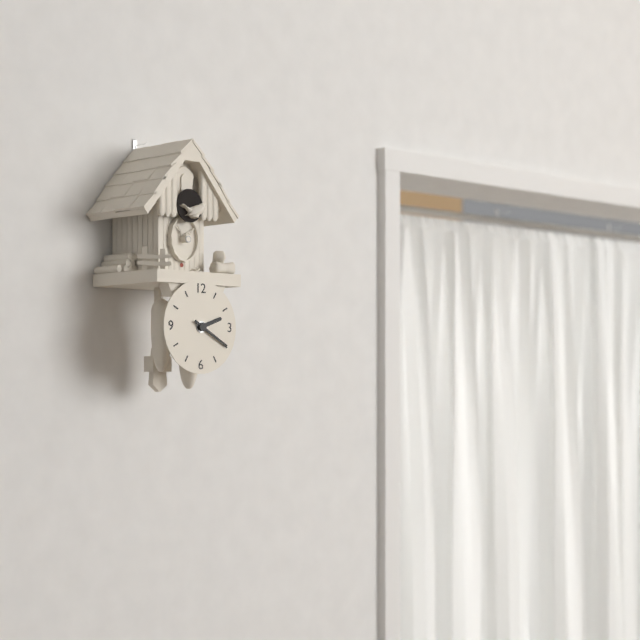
2h20
